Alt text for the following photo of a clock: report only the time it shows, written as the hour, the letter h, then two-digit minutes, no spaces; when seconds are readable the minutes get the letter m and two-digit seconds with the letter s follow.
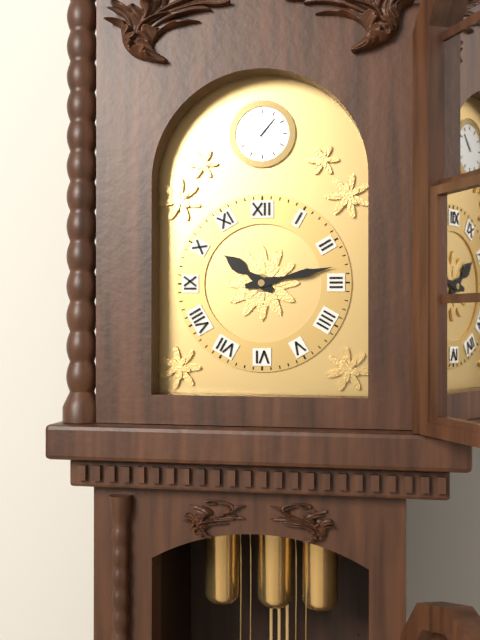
10h13
